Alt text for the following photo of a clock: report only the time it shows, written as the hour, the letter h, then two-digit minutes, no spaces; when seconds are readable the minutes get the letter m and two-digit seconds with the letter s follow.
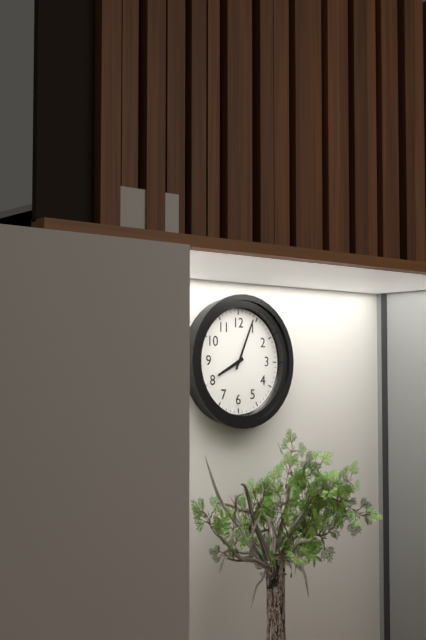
8h04
